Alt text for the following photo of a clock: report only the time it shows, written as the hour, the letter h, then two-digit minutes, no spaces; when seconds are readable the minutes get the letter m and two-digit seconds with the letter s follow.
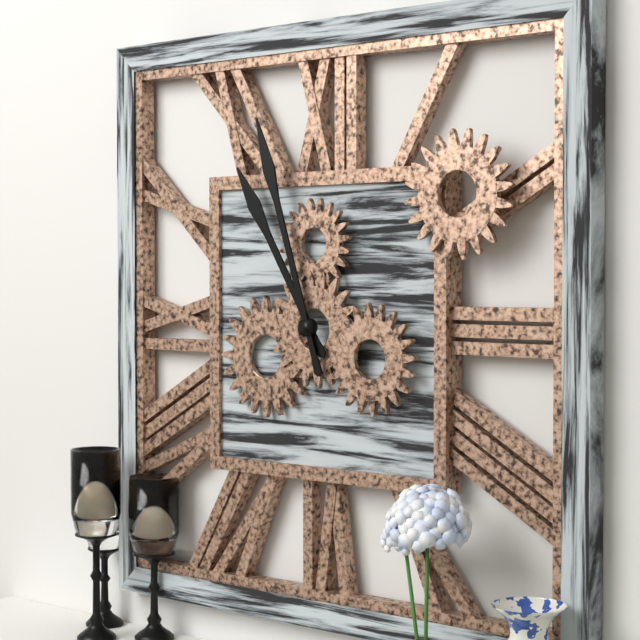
10h57
